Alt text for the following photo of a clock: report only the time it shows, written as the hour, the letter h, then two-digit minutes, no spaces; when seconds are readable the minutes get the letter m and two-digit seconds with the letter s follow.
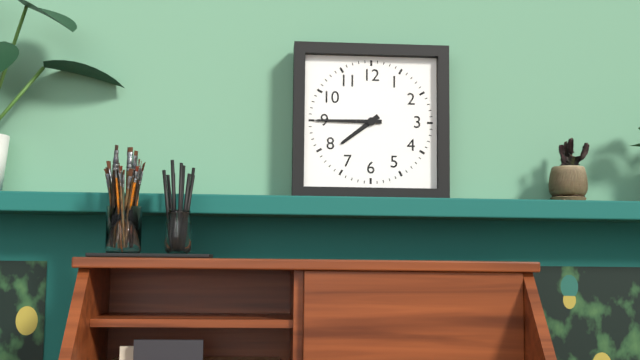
7h45
